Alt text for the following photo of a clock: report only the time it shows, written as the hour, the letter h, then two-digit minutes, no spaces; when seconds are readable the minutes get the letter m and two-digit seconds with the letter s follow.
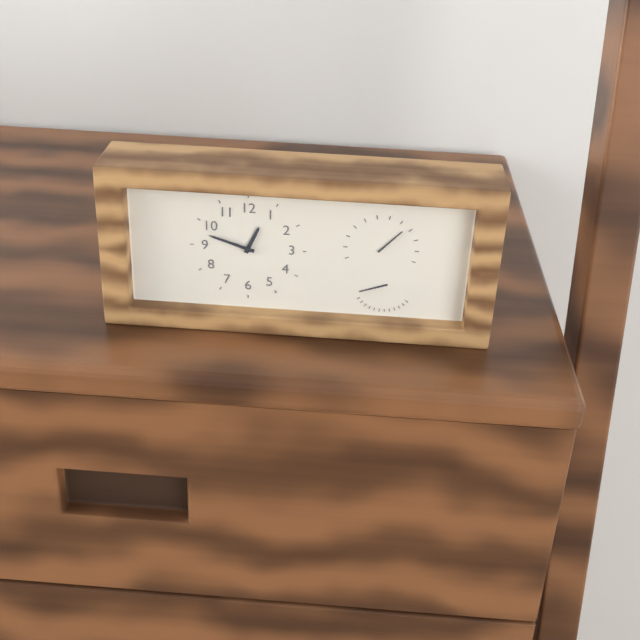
12h48
